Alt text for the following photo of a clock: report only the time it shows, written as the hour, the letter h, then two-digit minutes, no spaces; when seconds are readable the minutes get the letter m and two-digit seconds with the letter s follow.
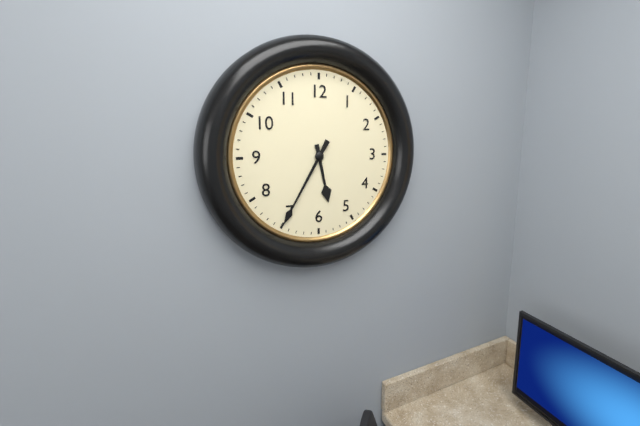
5h35
